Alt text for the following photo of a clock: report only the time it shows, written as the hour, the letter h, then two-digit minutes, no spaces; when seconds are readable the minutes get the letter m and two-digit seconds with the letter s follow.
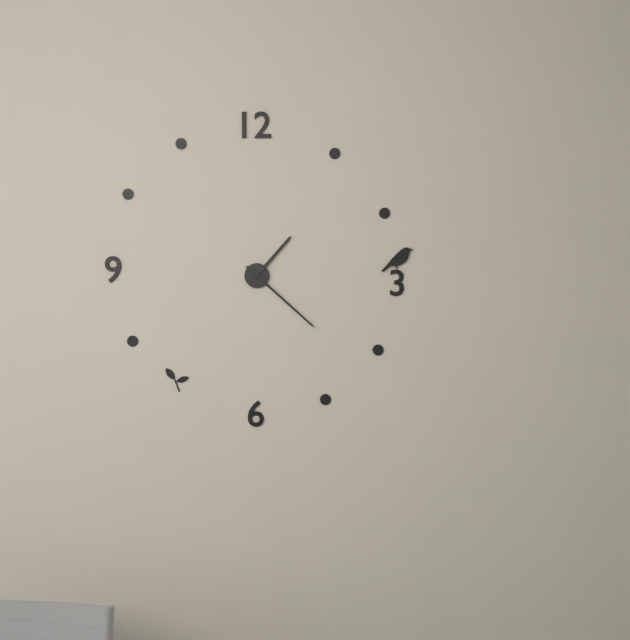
1h22
